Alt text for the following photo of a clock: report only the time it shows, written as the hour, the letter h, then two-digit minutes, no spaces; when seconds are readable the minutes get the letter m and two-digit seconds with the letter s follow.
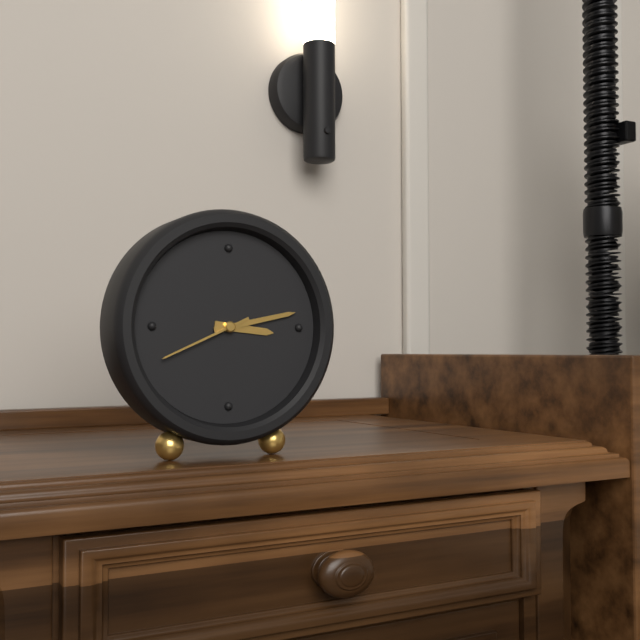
3h13m41s
